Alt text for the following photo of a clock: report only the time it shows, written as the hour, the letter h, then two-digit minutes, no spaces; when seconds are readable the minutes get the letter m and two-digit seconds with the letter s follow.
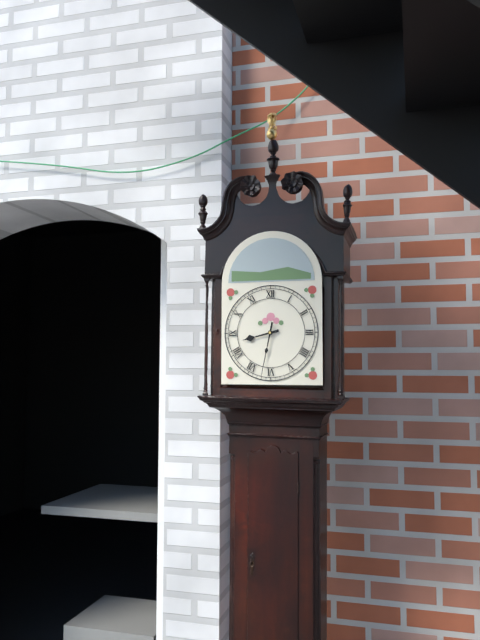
8h32
